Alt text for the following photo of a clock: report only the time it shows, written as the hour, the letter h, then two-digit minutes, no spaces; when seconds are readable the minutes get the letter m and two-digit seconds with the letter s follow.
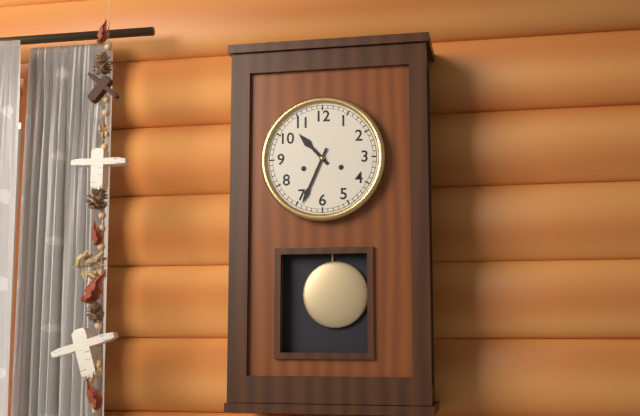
10h34
